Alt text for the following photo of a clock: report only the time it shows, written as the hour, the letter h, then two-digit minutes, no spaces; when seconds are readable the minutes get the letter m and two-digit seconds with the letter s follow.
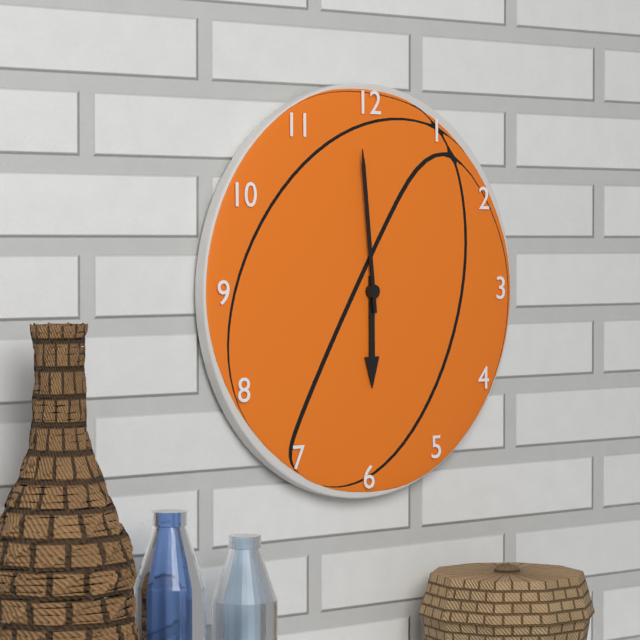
5h59
